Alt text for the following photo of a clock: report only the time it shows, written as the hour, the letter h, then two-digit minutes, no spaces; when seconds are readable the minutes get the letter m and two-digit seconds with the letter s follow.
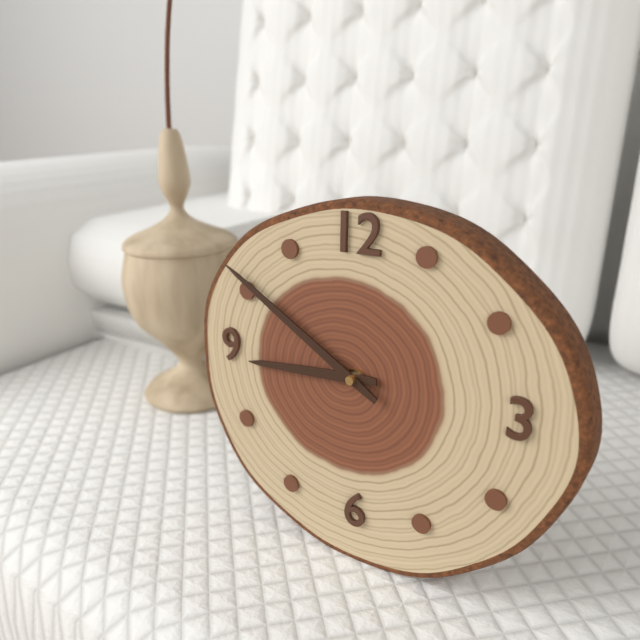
8h50
